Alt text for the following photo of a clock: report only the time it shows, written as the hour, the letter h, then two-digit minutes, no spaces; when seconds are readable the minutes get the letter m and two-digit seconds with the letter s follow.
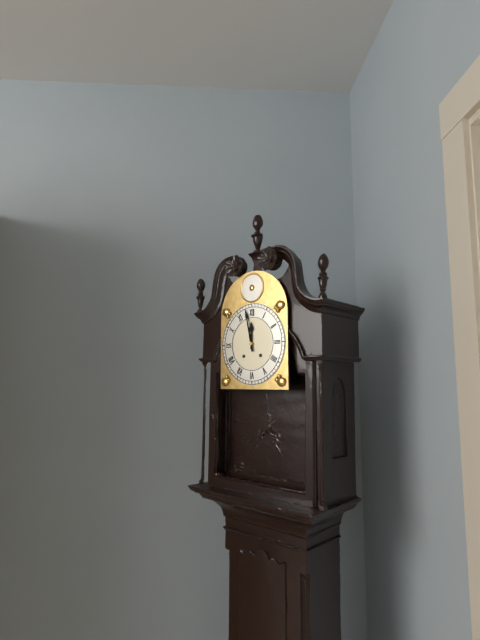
11h58
